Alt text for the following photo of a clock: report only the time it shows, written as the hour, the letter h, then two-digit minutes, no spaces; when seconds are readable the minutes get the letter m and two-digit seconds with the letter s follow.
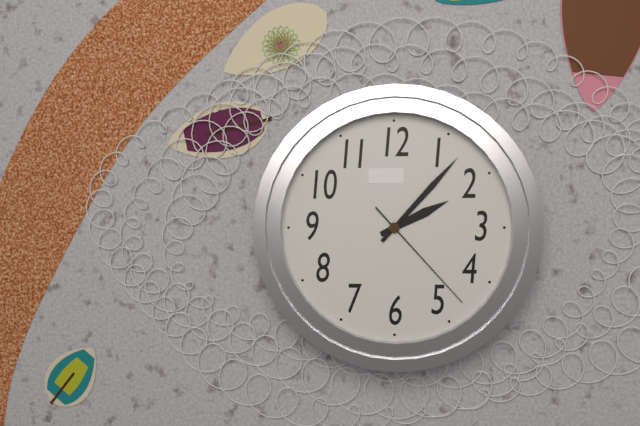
2h07m23s
